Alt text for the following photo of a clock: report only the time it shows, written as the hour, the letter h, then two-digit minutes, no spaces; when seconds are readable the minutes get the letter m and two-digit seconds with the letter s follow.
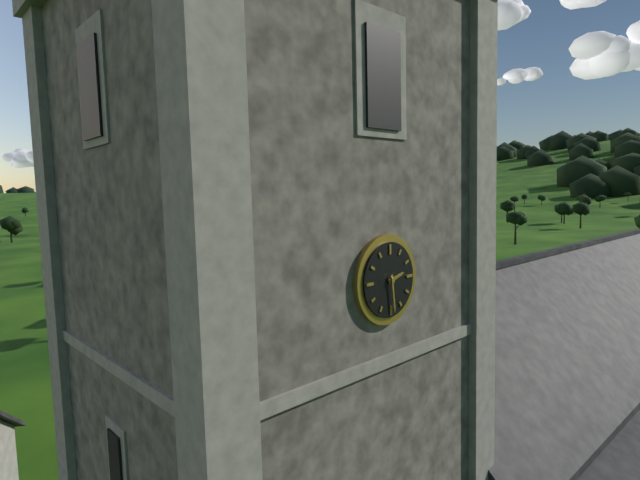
2h29
